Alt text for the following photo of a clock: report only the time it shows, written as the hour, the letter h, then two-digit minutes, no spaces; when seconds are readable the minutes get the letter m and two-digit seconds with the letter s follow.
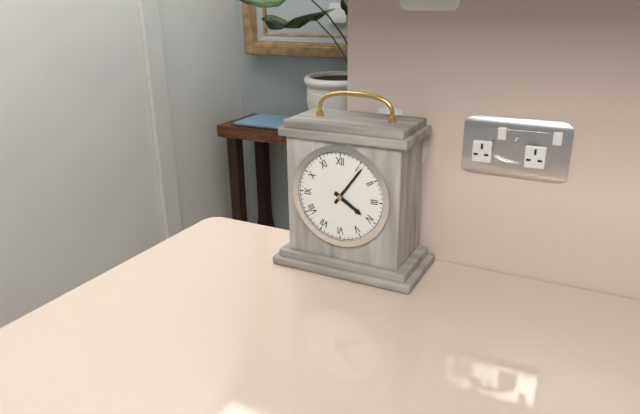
4h06
